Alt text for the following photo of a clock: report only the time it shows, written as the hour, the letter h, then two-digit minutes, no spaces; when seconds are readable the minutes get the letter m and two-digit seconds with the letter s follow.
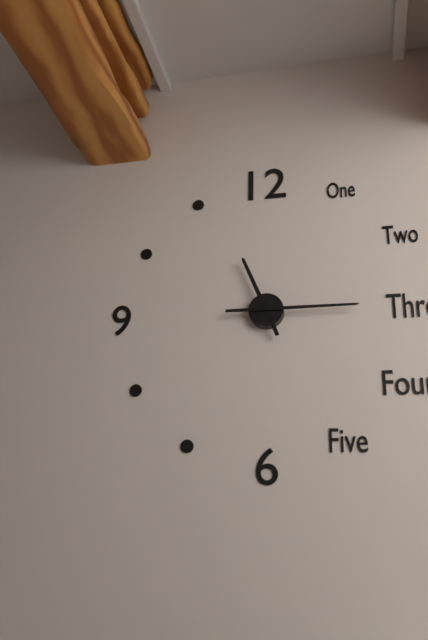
11h15
